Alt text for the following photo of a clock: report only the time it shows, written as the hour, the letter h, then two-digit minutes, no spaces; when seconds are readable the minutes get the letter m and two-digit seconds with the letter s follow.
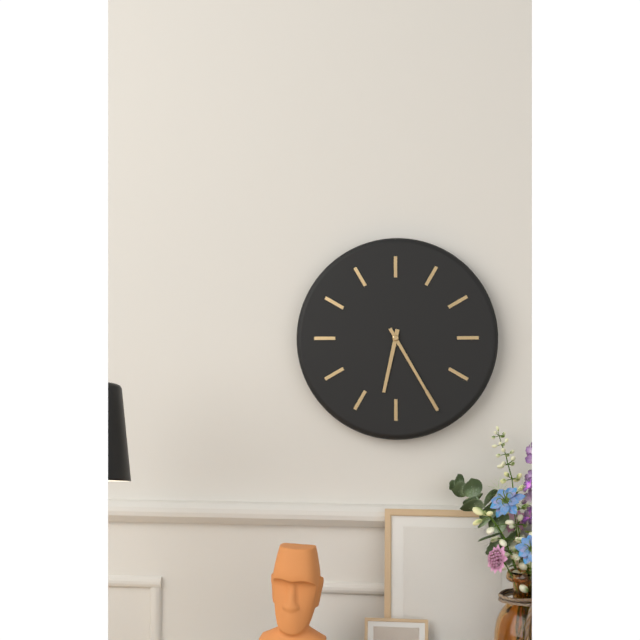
6h25
